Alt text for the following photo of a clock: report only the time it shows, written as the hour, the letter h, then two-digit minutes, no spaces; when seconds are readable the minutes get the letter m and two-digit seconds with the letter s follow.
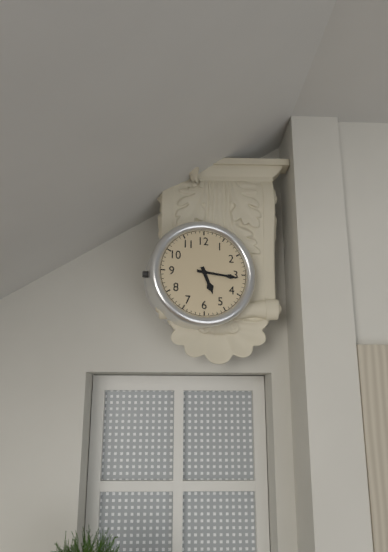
5h16
